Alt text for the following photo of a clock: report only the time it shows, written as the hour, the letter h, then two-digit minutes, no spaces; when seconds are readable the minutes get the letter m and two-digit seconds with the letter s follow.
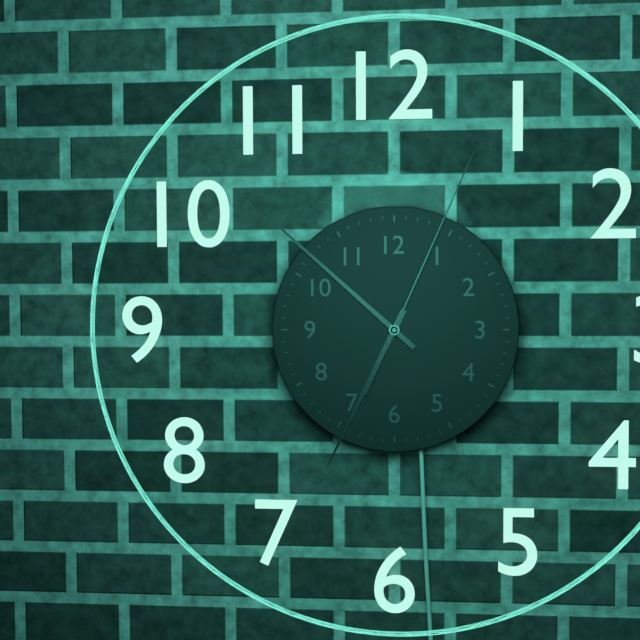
6h52m04s
